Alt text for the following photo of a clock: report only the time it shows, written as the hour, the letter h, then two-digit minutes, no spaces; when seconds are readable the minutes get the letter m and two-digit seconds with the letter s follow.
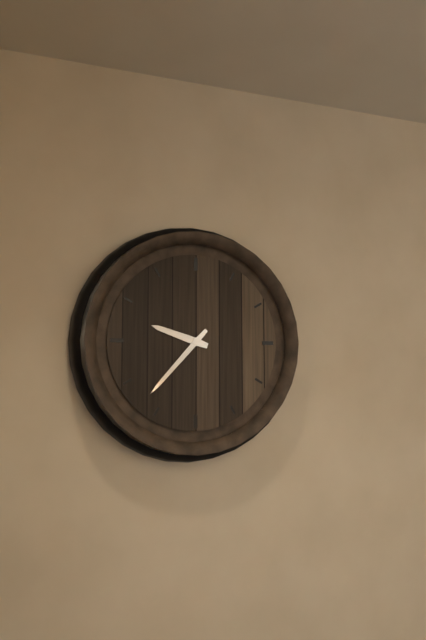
9h37
